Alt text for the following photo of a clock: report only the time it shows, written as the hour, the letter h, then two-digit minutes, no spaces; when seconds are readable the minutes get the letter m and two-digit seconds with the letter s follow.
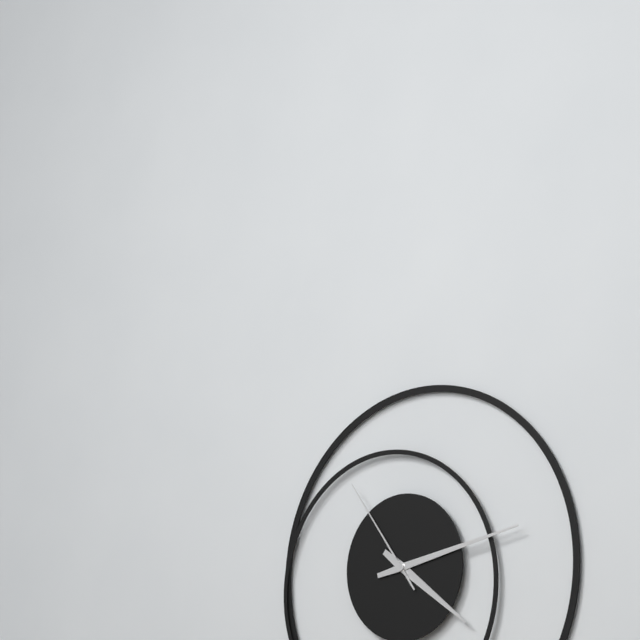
4h13m54s
